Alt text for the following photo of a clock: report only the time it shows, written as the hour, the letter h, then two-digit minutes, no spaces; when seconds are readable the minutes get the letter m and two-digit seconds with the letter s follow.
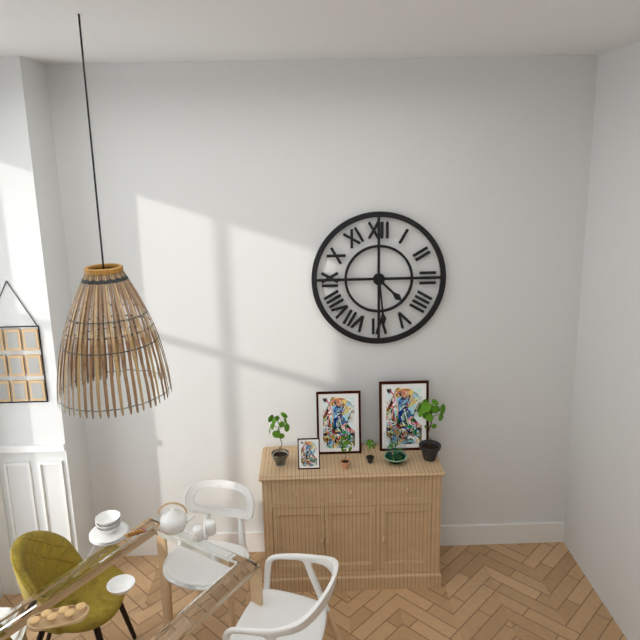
4h29
